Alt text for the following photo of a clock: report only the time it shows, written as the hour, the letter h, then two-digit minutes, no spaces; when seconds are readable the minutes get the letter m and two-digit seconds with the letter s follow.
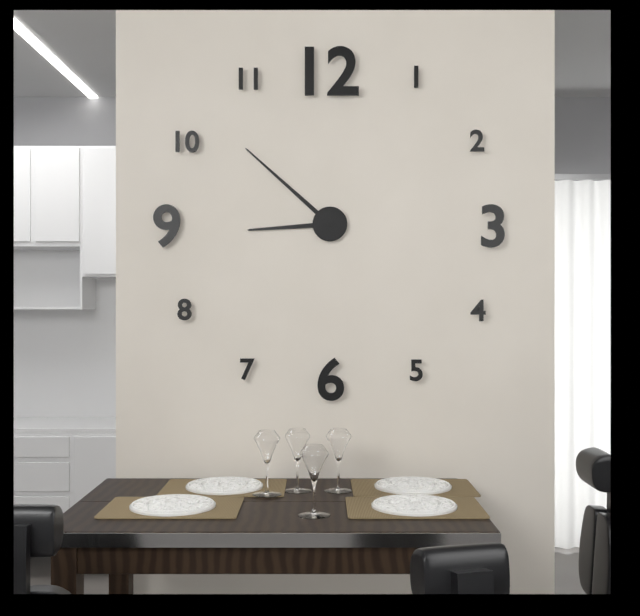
8h52
